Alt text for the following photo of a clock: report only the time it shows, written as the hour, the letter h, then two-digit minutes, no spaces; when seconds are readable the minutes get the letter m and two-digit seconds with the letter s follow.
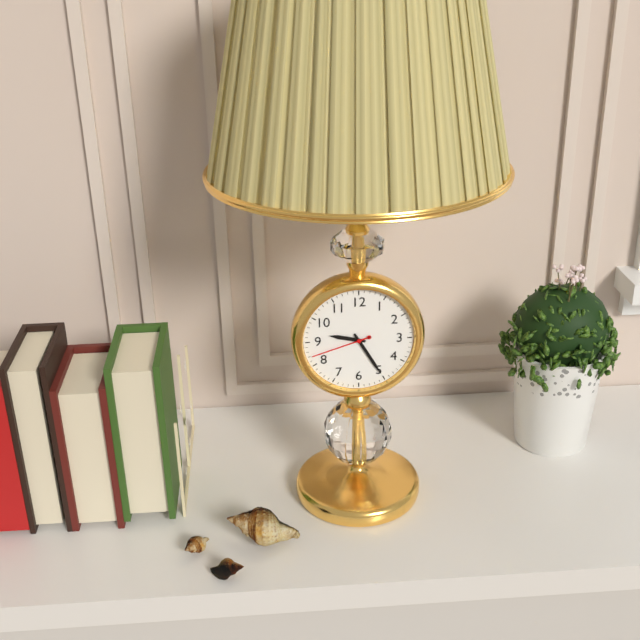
9h25m42s
